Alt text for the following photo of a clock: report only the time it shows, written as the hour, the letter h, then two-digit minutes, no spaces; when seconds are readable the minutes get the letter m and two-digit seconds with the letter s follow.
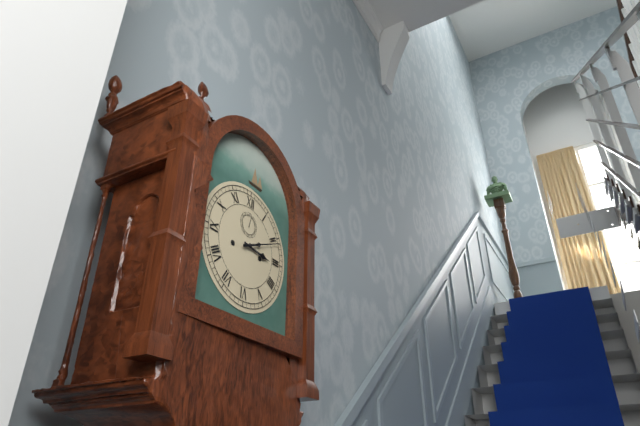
3h11
